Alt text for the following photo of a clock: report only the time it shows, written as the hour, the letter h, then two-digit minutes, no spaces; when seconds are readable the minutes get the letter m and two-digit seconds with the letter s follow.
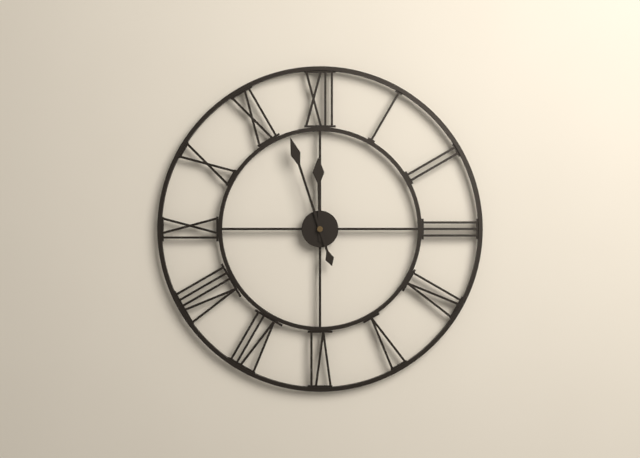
11h57
